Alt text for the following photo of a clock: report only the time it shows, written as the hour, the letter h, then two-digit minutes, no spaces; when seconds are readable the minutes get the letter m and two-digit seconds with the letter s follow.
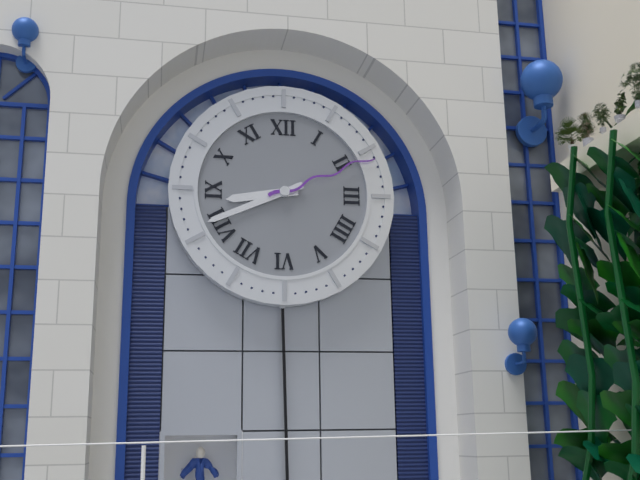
8h41m11s
